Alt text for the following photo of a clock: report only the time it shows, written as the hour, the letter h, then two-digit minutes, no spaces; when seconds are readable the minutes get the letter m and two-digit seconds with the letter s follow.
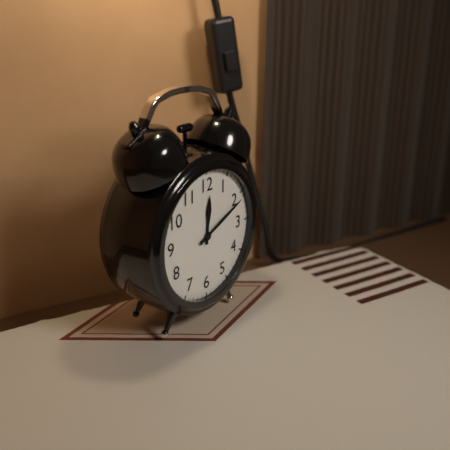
12h11
